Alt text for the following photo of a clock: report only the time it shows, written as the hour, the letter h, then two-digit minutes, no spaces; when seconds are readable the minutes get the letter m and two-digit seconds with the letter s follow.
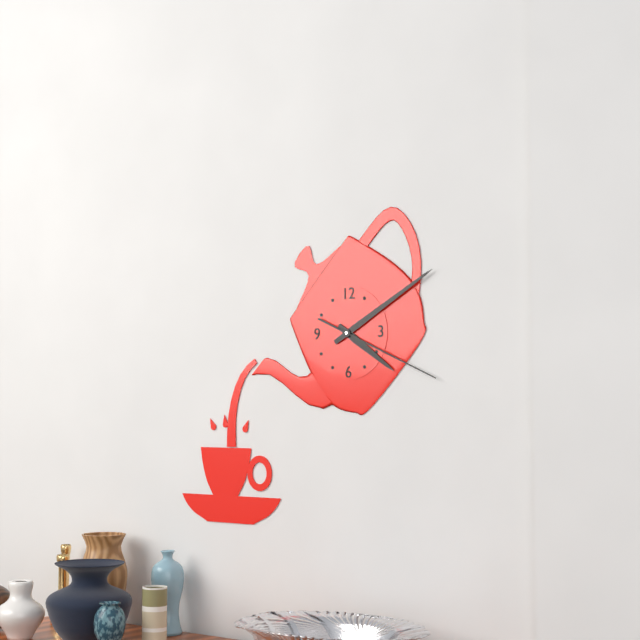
4h10m19s
